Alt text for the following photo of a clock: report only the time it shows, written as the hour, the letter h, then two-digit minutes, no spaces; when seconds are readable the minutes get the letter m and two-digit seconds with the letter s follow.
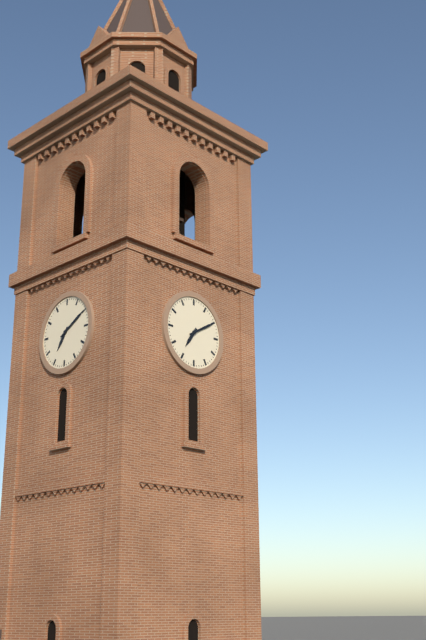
7h10
